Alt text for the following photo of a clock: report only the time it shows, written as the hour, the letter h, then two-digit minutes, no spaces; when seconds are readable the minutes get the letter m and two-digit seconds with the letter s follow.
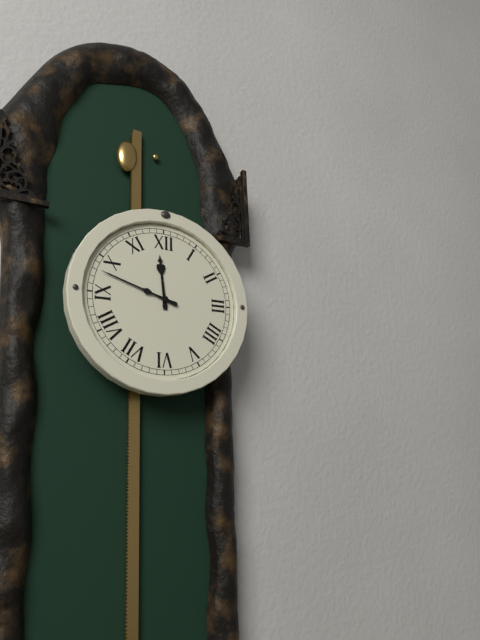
11h48
